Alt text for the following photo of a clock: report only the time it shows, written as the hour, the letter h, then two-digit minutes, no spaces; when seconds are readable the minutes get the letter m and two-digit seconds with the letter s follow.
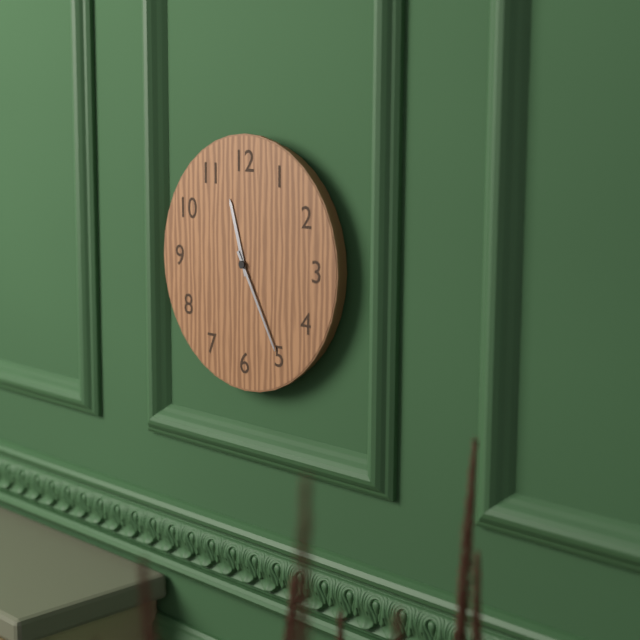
11h25
